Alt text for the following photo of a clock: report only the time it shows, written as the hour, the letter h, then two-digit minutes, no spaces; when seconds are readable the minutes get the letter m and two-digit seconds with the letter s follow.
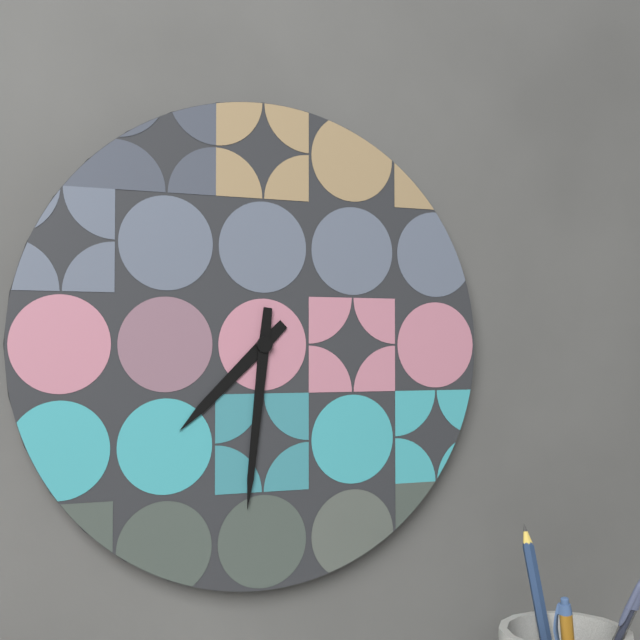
7h31
